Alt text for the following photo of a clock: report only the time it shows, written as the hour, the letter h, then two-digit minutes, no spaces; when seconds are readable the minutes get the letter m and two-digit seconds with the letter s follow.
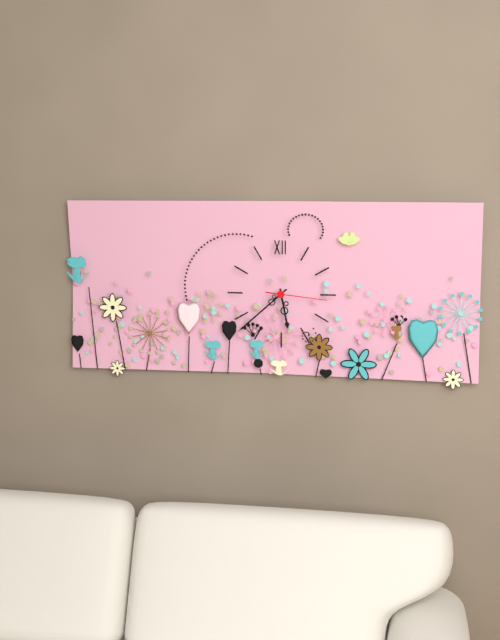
5h38m16s
